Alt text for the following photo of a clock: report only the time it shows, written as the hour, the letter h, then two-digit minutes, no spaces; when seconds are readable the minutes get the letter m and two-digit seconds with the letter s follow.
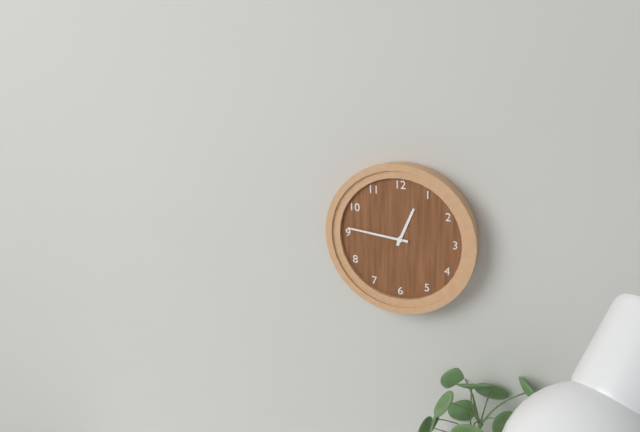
12h46
